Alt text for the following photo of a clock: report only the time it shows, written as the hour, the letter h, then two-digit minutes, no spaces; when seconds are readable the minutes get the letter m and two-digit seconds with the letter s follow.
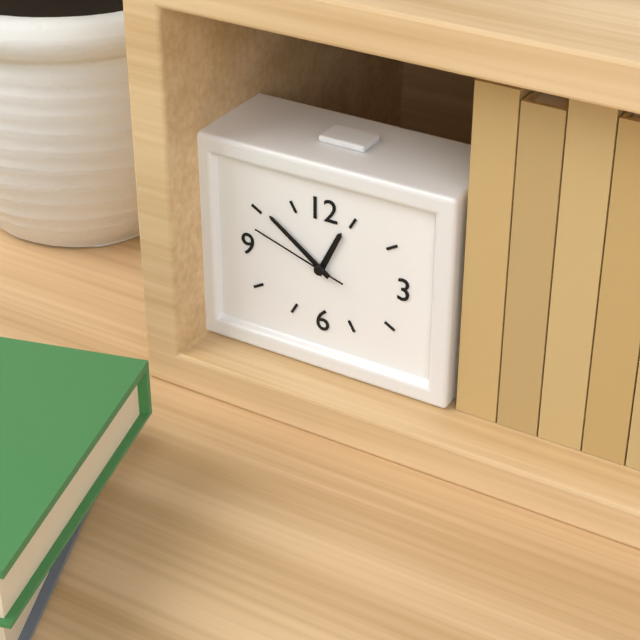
12h51m48s
